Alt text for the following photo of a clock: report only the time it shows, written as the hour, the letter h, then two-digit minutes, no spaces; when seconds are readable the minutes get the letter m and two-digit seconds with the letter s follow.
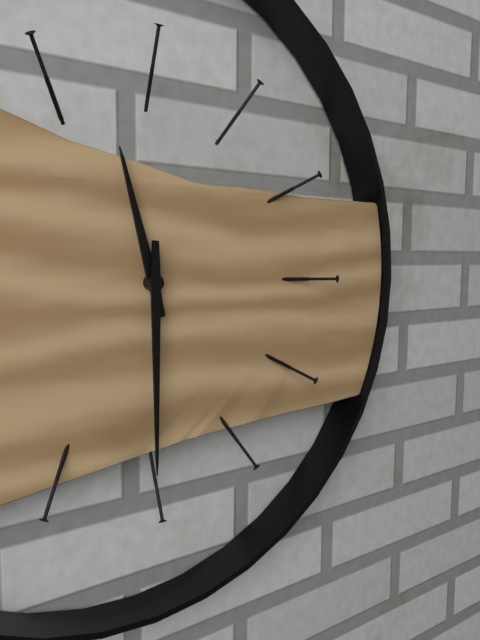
11h30
